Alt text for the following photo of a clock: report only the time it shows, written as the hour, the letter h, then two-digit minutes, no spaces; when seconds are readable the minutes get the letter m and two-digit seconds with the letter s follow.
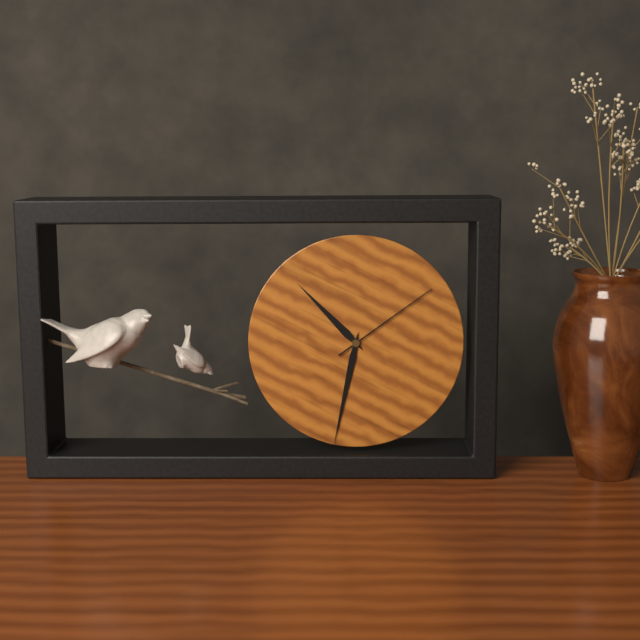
10h32m09s
